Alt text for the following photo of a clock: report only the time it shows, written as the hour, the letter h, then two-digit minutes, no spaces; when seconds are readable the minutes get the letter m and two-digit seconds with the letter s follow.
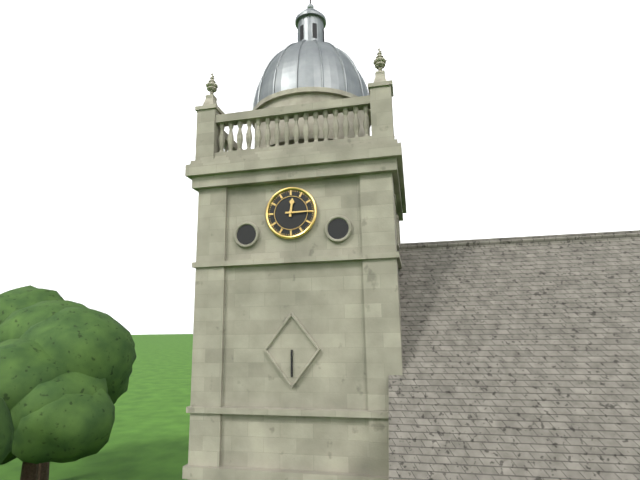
12h15
